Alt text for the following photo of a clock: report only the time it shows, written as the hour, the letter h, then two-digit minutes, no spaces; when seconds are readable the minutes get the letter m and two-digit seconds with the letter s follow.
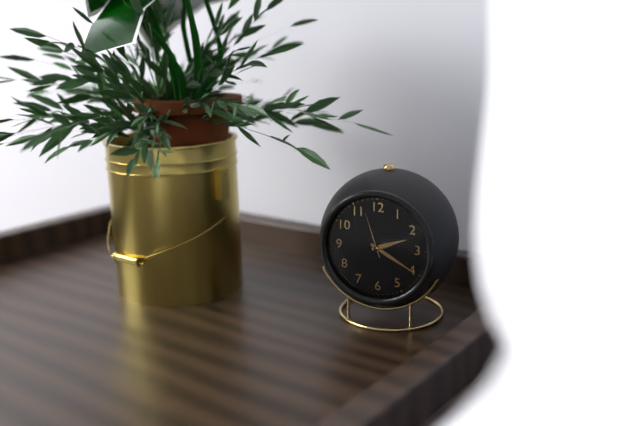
2h20
